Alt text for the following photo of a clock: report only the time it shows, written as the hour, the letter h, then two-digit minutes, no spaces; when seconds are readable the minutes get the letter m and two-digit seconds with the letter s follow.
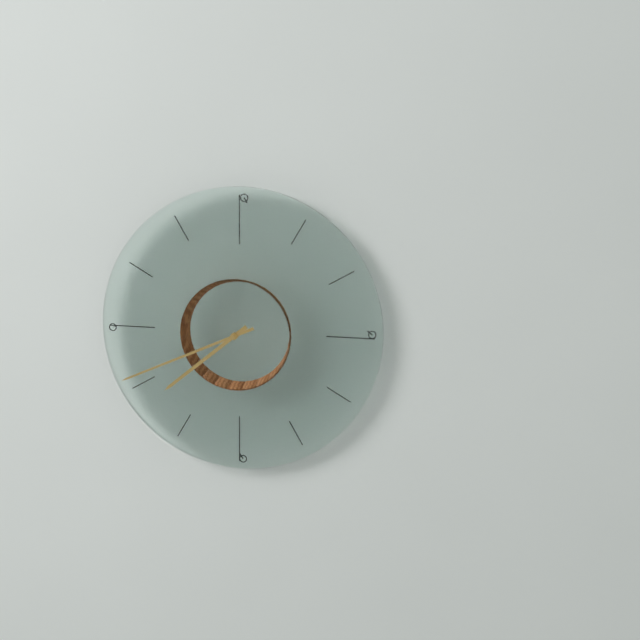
7h41
